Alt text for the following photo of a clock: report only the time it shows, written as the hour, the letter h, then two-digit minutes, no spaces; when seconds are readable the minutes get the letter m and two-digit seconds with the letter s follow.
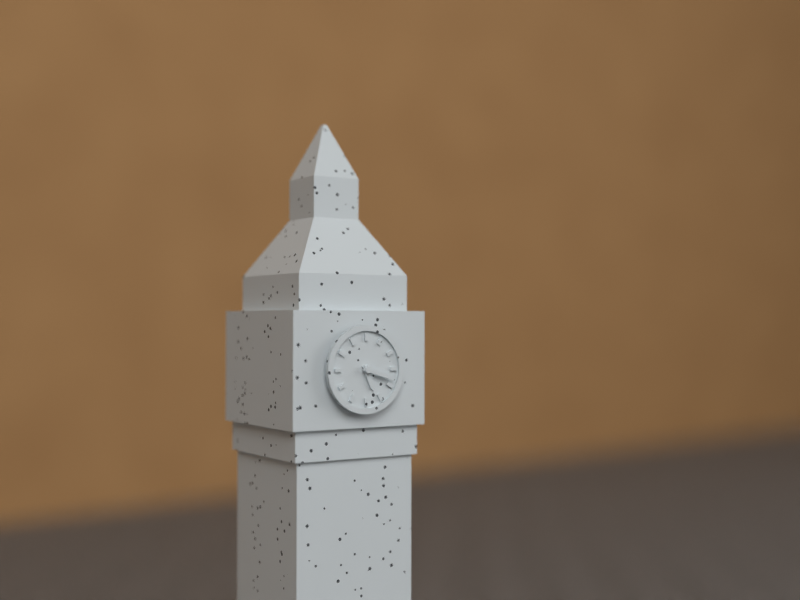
5h18
